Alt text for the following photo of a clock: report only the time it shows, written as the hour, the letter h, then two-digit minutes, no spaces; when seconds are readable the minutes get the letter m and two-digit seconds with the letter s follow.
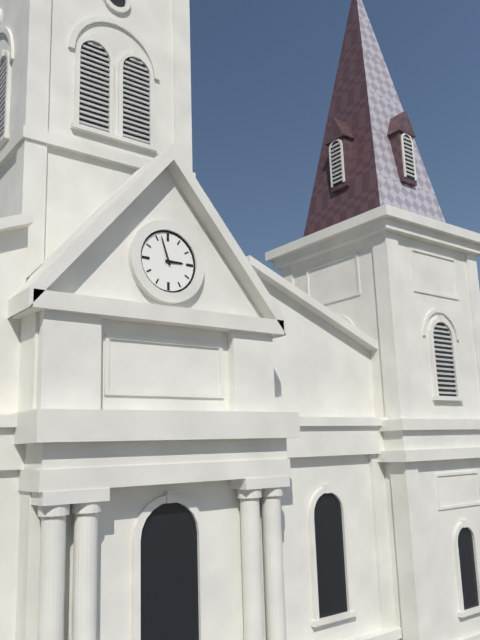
2h57
